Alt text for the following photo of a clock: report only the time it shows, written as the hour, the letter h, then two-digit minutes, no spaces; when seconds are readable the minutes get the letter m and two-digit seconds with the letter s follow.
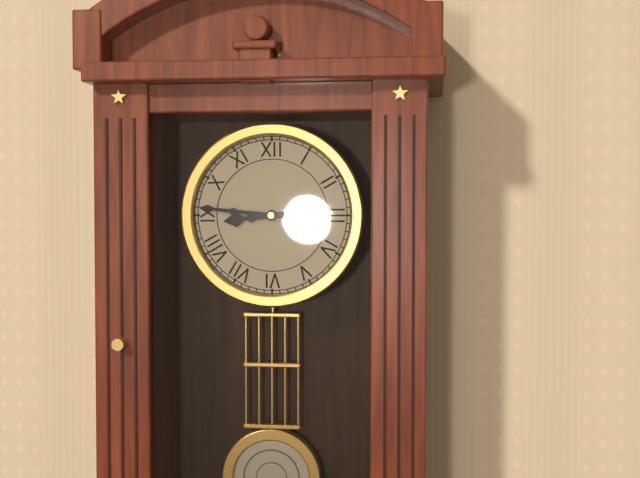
8h46
